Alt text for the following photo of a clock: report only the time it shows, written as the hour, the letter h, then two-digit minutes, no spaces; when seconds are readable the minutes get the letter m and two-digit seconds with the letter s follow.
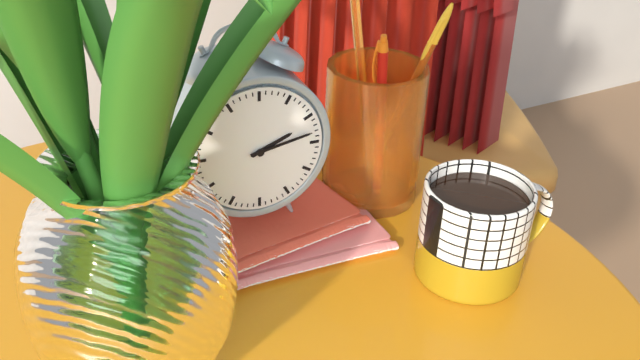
2h13
